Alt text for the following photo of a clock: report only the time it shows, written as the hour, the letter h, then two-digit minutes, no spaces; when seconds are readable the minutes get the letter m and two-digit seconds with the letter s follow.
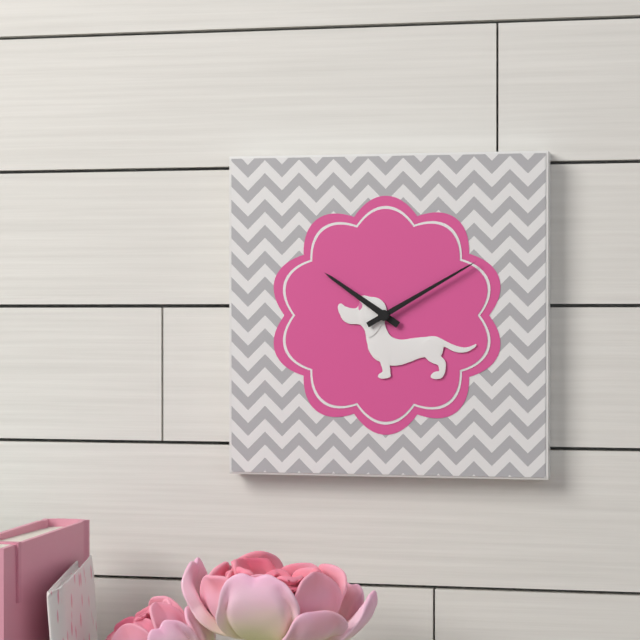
10h10
